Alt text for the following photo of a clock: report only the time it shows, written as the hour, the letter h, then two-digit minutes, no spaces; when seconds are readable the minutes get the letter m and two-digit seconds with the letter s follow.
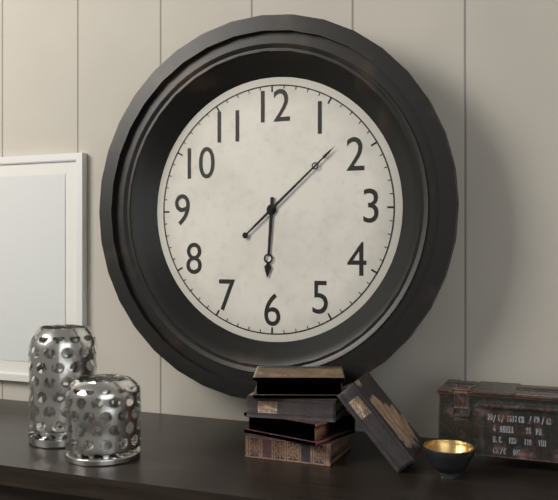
6h08
